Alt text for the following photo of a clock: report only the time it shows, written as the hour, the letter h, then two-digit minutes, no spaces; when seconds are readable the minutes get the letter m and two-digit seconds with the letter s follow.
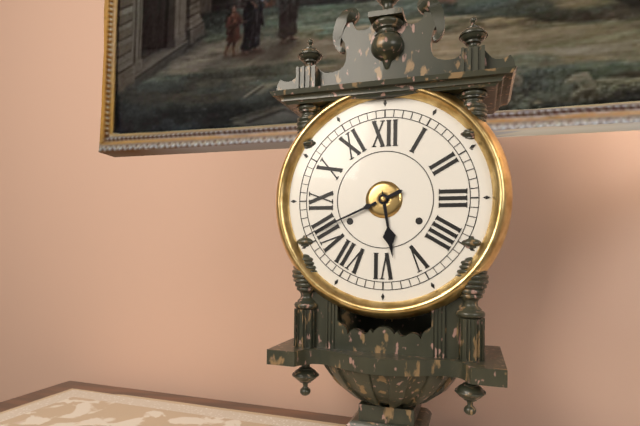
5h41
